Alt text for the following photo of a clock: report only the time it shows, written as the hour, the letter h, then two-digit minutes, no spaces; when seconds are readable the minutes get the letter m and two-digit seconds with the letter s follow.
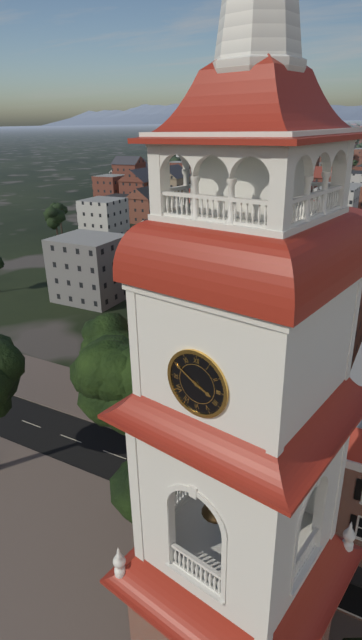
3h50
